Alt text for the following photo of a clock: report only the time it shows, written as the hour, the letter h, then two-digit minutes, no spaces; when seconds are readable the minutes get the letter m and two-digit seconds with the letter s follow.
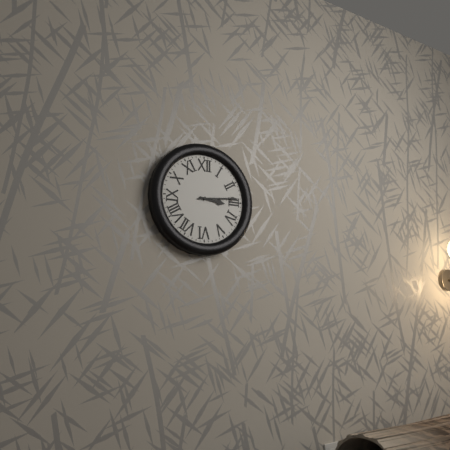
3h14
